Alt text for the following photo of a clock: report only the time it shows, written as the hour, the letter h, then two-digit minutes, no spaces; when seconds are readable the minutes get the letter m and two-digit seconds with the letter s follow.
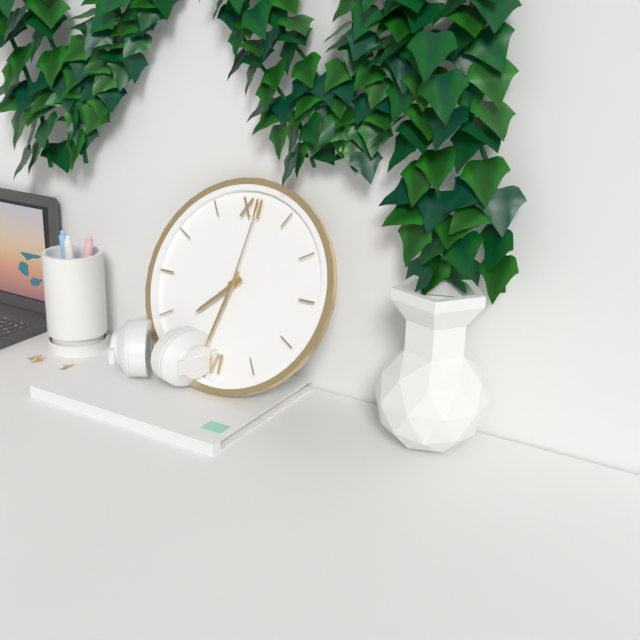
7h32m01s
